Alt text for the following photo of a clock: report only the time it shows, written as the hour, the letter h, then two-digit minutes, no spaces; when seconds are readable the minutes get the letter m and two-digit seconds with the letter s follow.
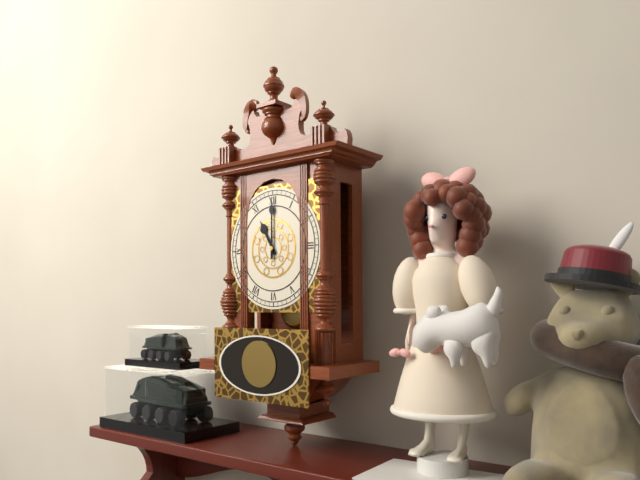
11h00
